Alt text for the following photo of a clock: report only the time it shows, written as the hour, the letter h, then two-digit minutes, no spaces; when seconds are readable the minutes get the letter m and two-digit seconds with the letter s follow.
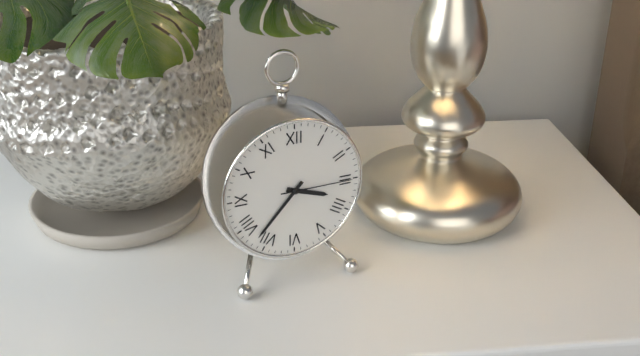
3h37m15s
